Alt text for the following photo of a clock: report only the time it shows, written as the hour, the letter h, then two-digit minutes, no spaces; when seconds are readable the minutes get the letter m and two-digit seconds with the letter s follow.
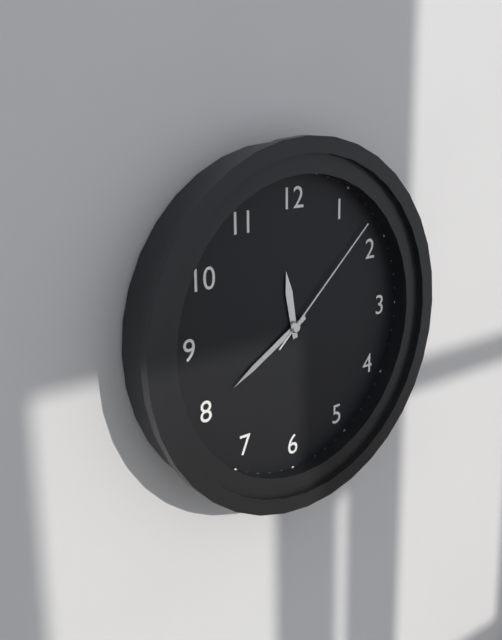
11h40m08s
